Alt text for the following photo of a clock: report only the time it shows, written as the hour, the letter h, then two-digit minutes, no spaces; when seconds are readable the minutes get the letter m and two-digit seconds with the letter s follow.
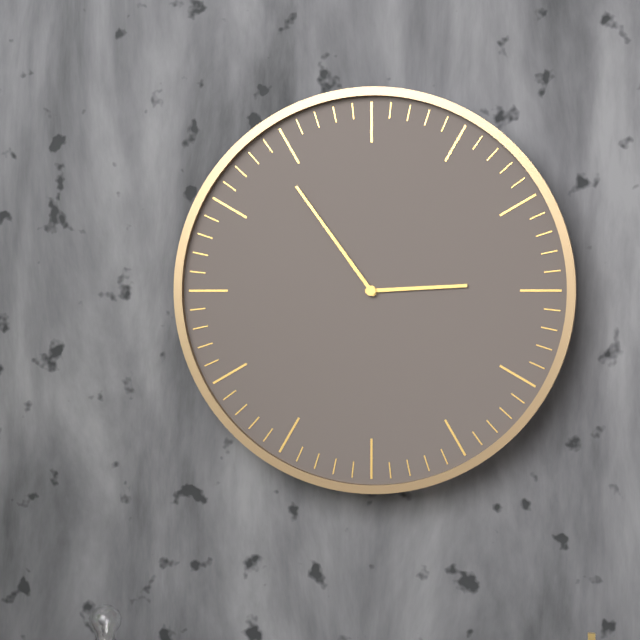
2h54
